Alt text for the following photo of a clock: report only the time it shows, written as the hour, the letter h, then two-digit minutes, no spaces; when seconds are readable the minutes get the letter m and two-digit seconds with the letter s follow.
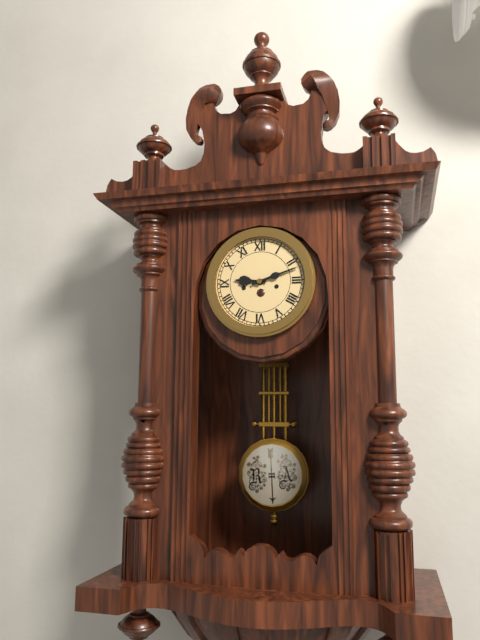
9h12
